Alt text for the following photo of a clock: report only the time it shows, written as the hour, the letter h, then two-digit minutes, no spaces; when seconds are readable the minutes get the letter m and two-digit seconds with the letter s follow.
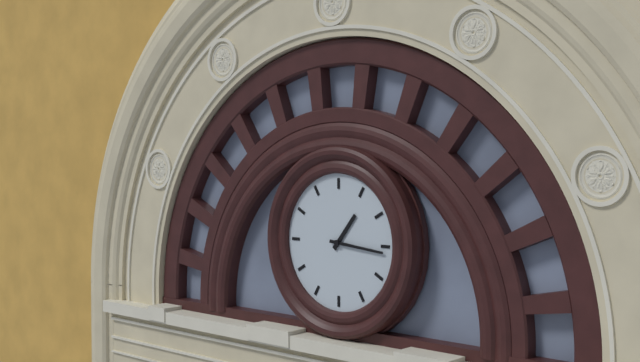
1h16
